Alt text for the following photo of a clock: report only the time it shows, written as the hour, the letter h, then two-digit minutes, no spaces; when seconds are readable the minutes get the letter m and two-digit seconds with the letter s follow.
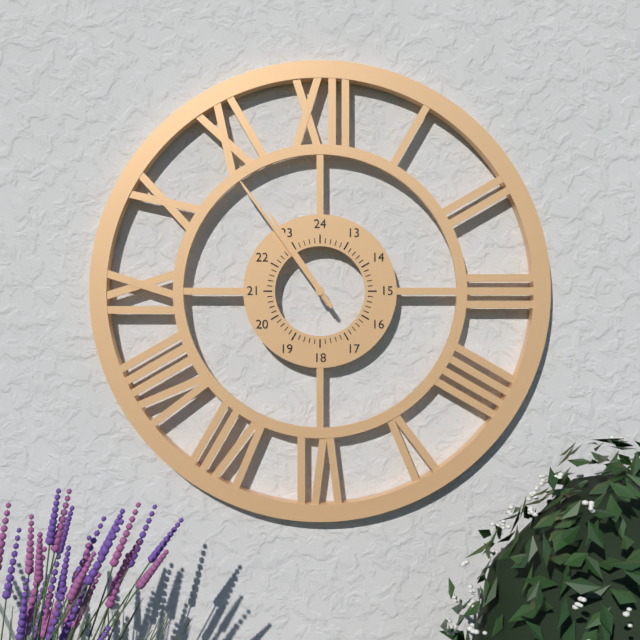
10h54
